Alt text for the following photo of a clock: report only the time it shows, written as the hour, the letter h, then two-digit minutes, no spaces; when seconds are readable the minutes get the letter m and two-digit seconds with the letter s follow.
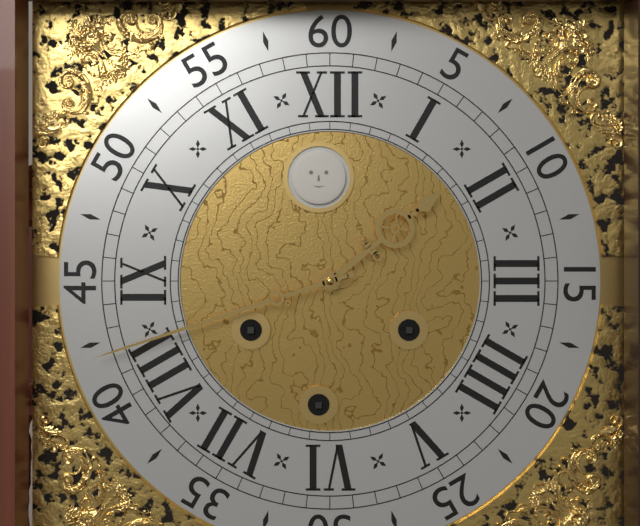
1h42
